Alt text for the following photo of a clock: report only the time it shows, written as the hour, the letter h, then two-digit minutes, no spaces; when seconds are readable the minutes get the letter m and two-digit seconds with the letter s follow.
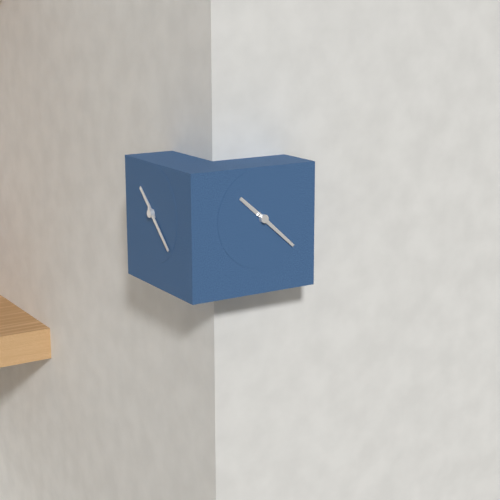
10h22
